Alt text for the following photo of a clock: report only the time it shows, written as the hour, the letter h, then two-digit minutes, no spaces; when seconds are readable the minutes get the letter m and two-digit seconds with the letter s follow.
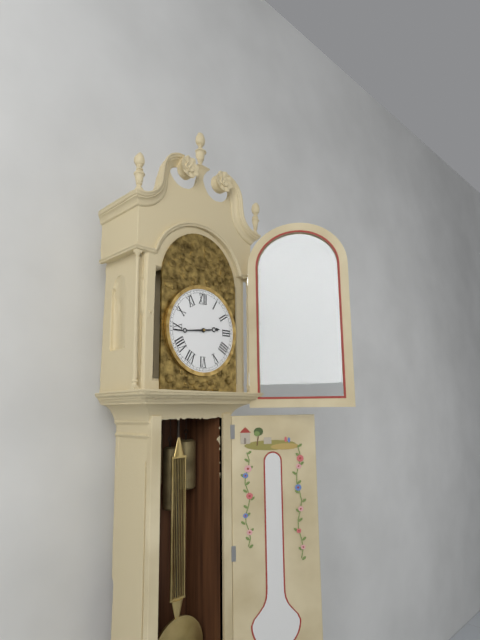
2h44
